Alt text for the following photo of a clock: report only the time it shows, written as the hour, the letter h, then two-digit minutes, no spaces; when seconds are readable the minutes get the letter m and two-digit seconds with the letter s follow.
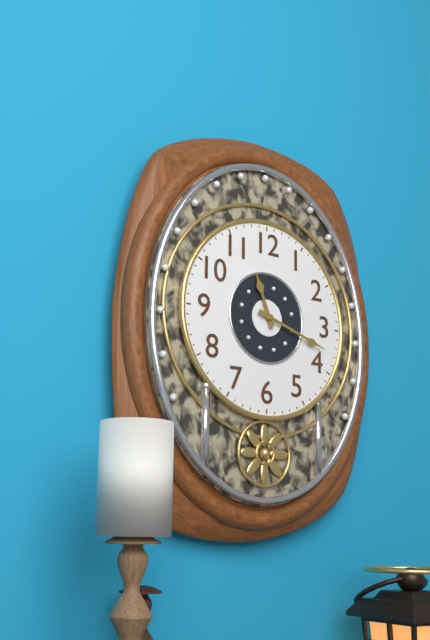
11h18
